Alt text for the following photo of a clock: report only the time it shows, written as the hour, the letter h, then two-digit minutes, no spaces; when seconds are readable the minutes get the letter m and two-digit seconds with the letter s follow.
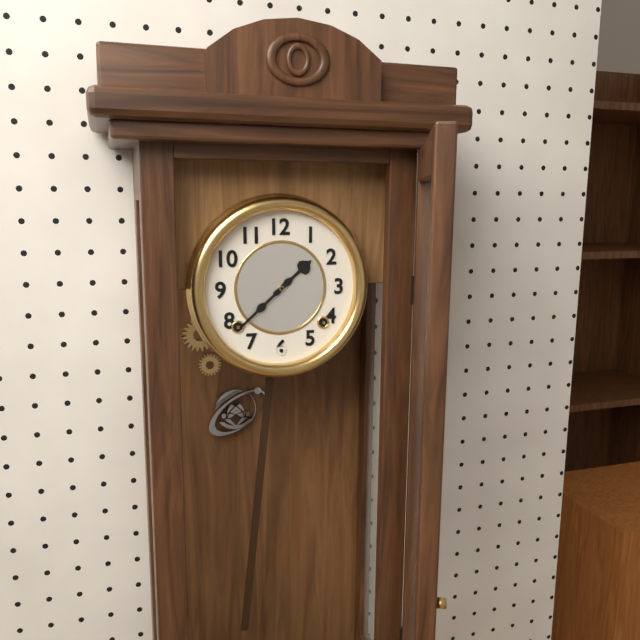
1h38
